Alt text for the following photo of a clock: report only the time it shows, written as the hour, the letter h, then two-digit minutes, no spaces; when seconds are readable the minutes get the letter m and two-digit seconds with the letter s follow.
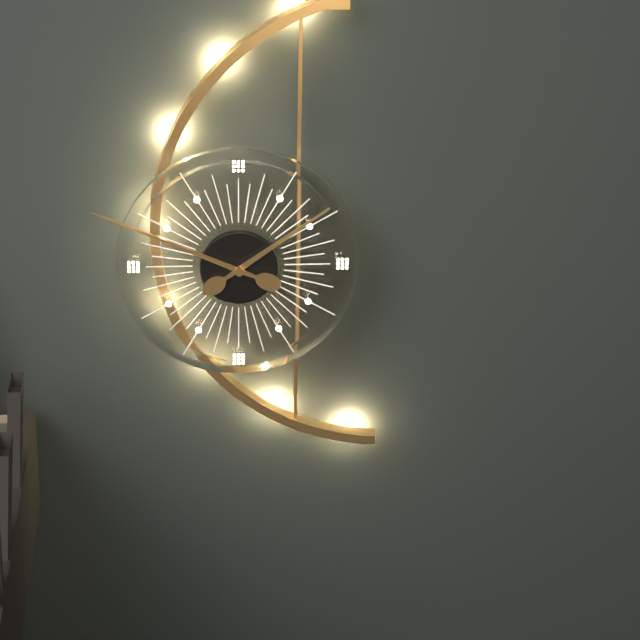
1h49
